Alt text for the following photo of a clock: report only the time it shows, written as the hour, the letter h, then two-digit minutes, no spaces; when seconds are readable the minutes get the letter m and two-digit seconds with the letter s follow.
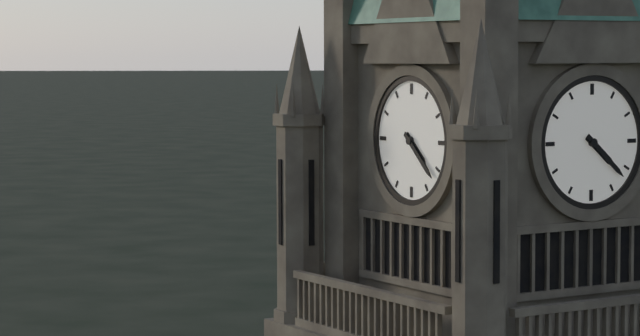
4h22
